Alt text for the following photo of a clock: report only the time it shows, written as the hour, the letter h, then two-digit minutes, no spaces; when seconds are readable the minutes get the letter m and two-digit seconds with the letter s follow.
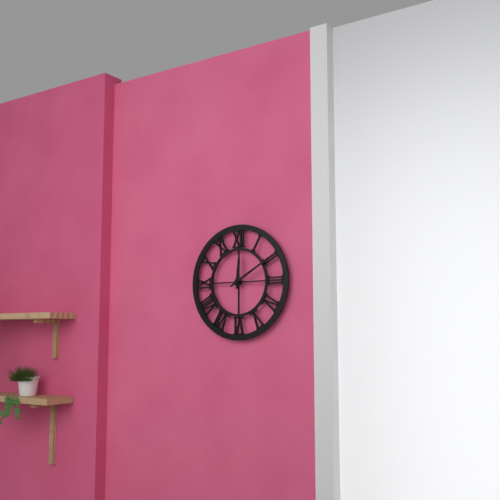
12h10
